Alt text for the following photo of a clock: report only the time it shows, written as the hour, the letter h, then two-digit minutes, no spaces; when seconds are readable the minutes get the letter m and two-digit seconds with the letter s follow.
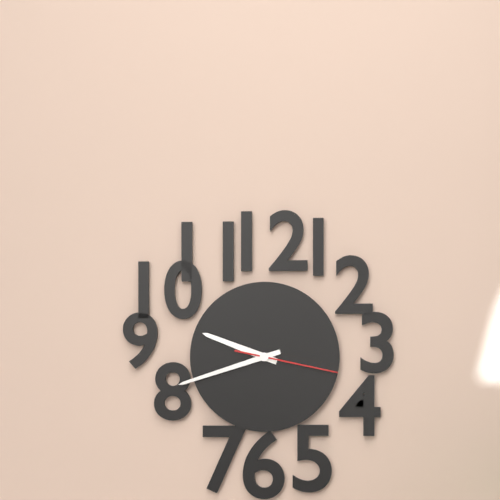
9h42m17s
